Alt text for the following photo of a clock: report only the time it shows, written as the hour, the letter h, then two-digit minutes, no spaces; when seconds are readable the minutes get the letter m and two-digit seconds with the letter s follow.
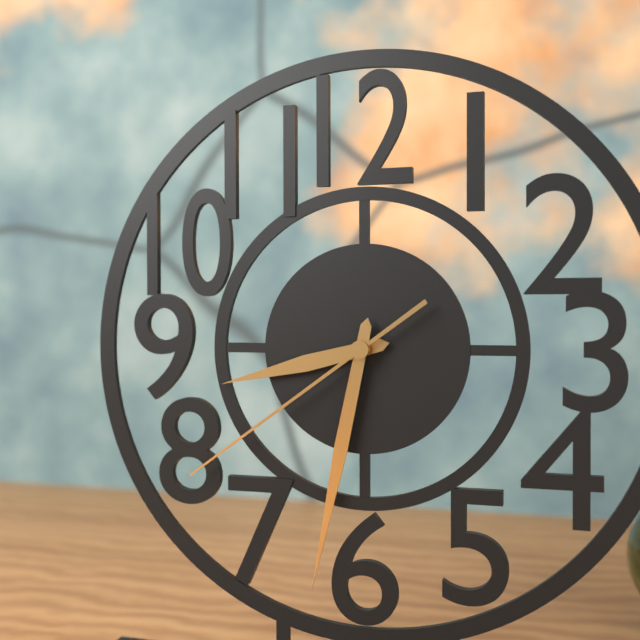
8h32m39s
